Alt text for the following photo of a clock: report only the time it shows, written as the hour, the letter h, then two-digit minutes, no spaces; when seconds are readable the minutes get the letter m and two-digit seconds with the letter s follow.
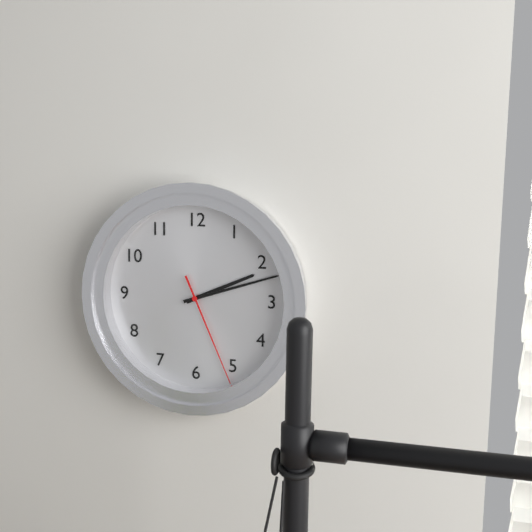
2h12m26s
